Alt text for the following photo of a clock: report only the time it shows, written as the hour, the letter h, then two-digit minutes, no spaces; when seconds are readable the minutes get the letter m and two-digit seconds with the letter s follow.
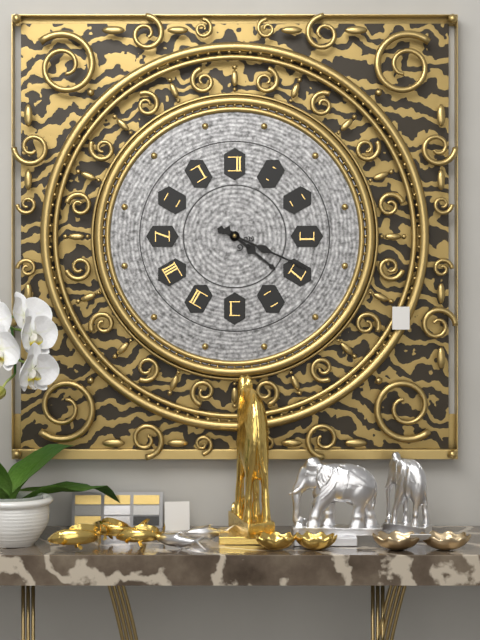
4h19
